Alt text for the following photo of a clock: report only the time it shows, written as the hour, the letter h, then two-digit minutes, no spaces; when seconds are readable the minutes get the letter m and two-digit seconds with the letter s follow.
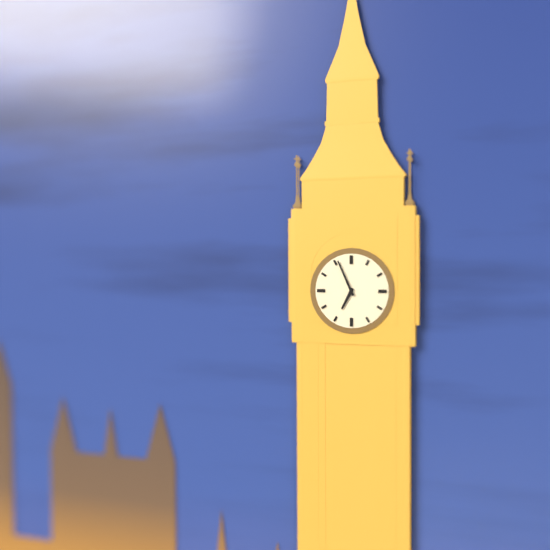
6h56
